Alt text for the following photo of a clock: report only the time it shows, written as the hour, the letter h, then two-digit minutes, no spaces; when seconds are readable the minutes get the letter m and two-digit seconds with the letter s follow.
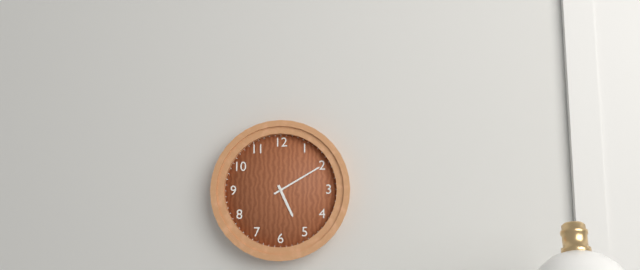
5h10
